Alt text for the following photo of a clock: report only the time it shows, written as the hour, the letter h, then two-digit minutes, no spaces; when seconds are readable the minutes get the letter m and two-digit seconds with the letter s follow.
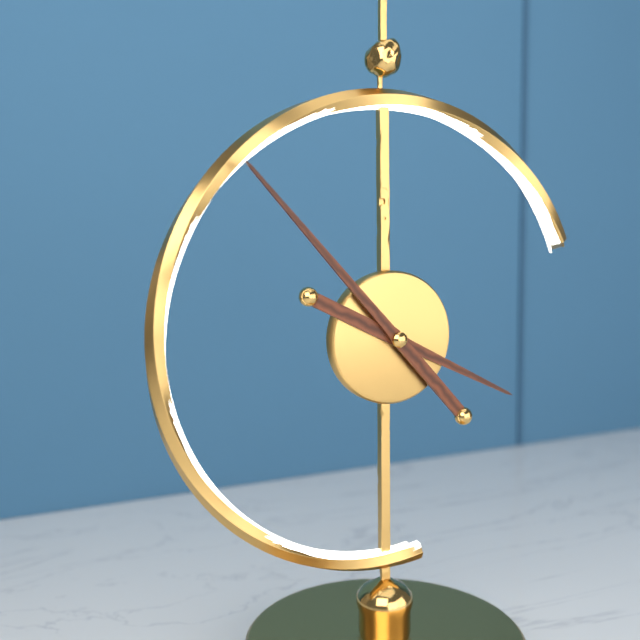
3h53
